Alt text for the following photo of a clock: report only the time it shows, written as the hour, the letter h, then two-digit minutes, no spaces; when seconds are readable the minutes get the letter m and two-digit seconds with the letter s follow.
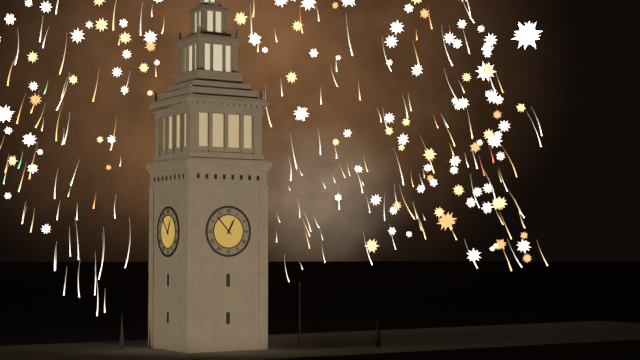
12h53
